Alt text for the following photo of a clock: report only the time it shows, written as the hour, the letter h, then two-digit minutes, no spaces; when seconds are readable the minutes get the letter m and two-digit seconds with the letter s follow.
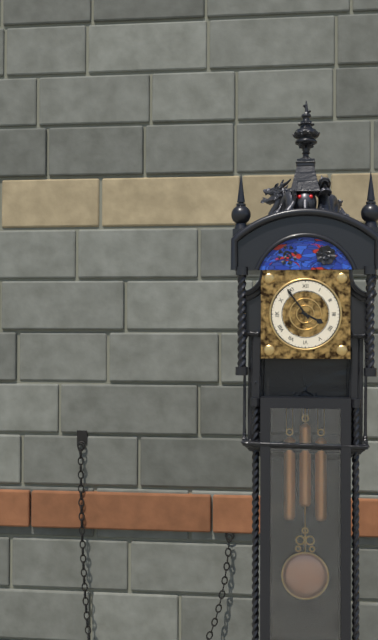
3h54
